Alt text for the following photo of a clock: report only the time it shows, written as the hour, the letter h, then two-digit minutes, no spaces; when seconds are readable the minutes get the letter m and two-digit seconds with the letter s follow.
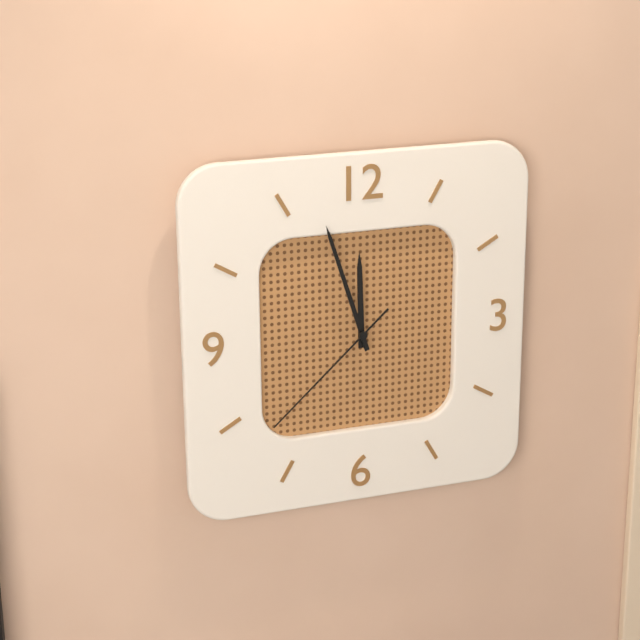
11h57m38s
